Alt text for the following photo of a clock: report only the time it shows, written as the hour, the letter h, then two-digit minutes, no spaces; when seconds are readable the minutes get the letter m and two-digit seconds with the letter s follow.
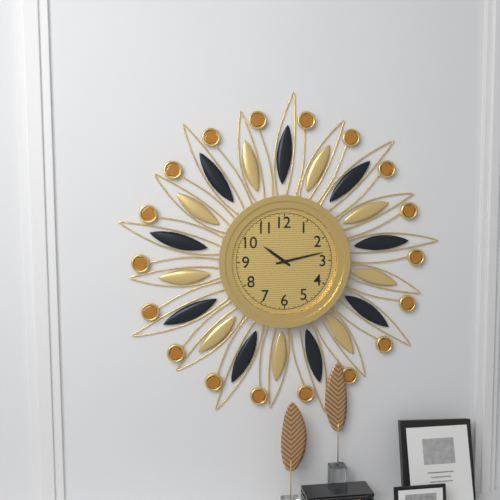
10h13
